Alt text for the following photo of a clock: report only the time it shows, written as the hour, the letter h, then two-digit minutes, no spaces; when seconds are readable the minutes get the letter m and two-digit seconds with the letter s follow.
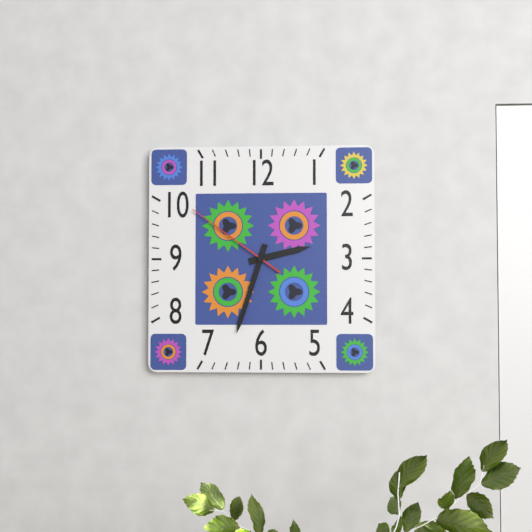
2h33m51s
